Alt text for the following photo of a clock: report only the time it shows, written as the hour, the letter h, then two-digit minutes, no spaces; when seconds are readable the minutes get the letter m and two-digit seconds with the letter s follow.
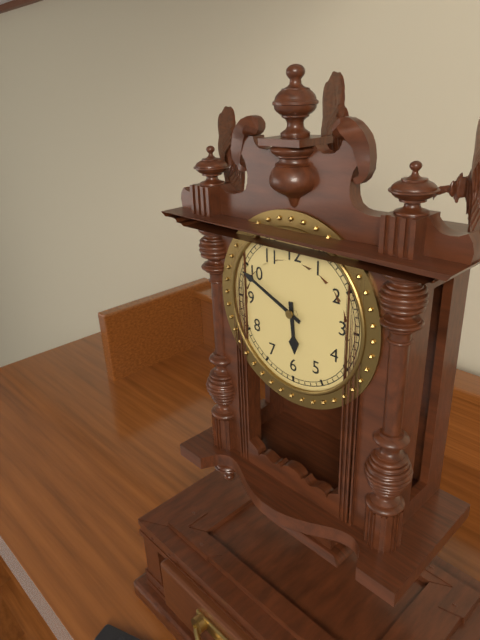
5h49
